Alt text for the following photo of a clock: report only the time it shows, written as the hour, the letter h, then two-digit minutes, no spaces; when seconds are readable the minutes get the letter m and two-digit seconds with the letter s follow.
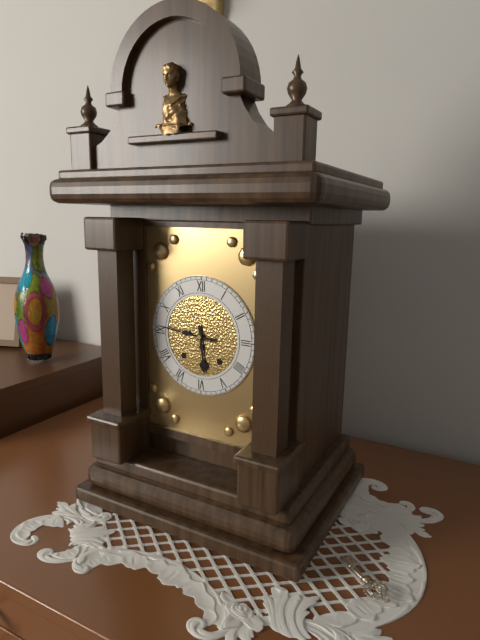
5h46
